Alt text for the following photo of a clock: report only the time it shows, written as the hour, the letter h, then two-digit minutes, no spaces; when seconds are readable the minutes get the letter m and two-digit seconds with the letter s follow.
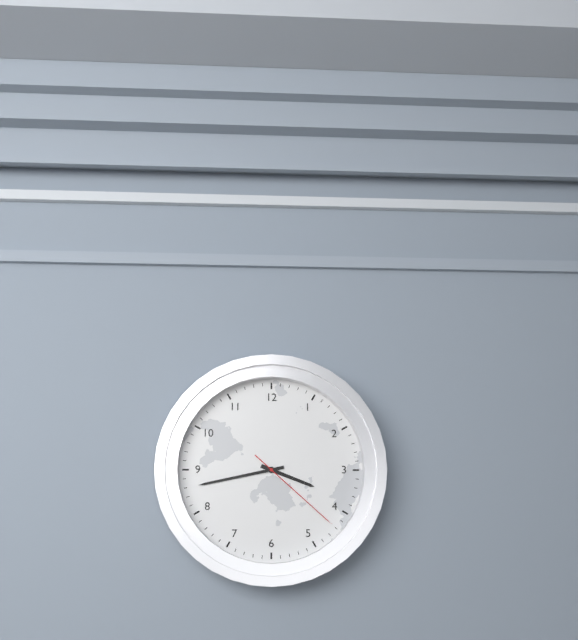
3h43m22s
